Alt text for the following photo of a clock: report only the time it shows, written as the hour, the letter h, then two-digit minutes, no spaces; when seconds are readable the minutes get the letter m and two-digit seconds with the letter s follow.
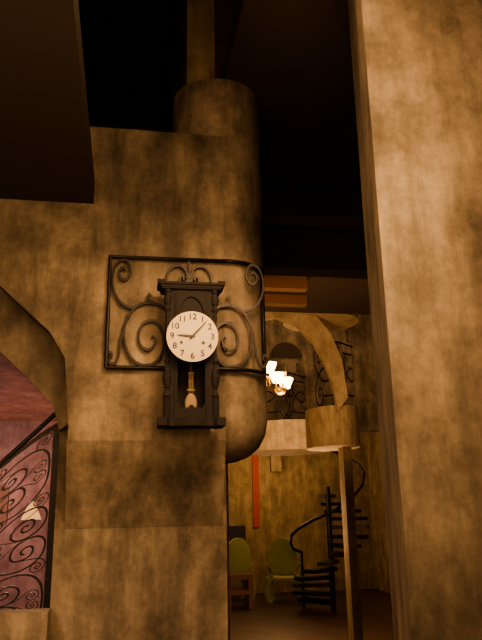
9h07
